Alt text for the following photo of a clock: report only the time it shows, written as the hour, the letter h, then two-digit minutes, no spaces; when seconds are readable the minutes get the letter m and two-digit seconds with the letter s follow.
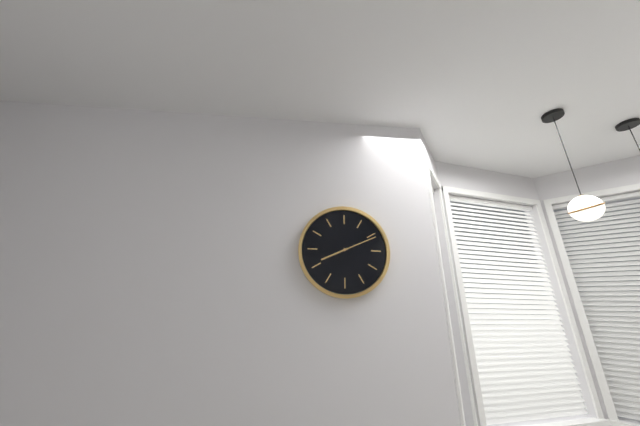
8h11
